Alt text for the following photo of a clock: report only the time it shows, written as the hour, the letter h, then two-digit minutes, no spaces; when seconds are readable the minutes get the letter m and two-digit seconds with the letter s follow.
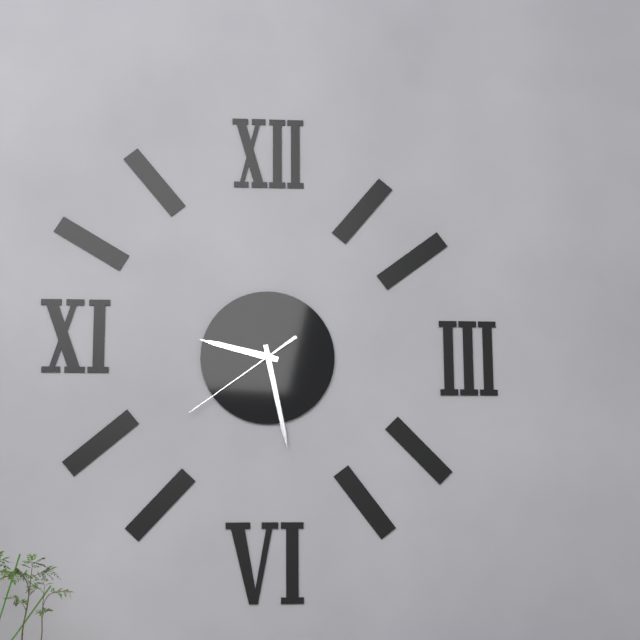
9h28m39s
